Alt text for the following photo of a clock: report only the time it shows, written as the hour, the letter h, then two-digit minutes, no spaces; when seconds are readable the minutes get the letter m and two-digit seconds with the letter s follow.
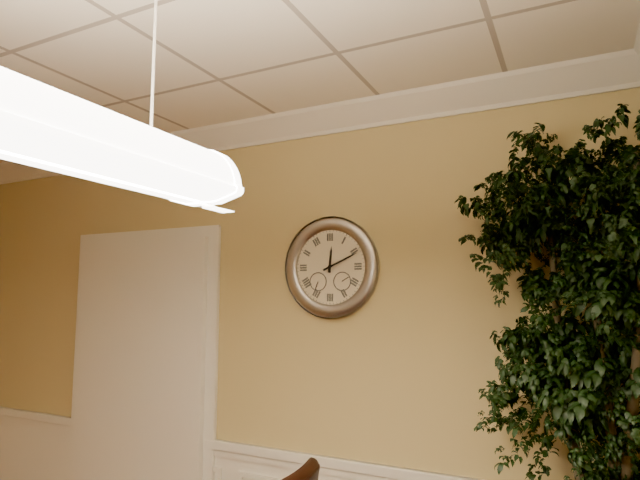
12h11
